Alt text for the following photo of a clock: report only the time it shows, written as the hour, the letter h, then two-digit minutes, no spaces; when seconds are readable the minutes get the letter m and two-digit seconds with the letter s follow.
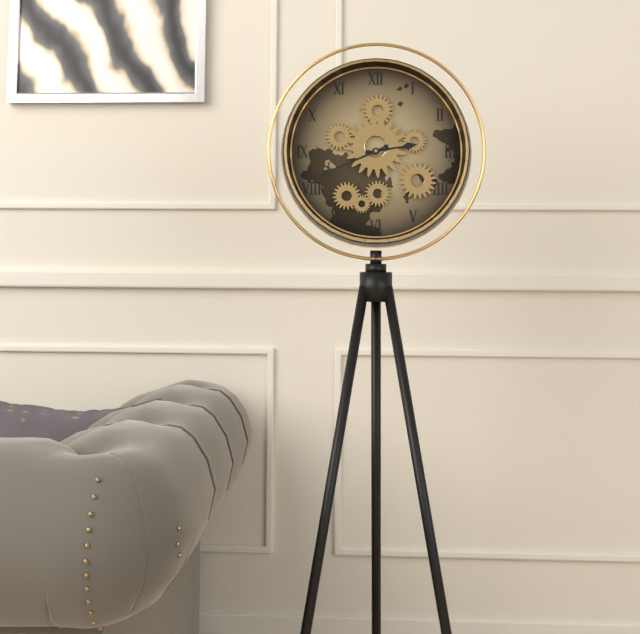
2h41
